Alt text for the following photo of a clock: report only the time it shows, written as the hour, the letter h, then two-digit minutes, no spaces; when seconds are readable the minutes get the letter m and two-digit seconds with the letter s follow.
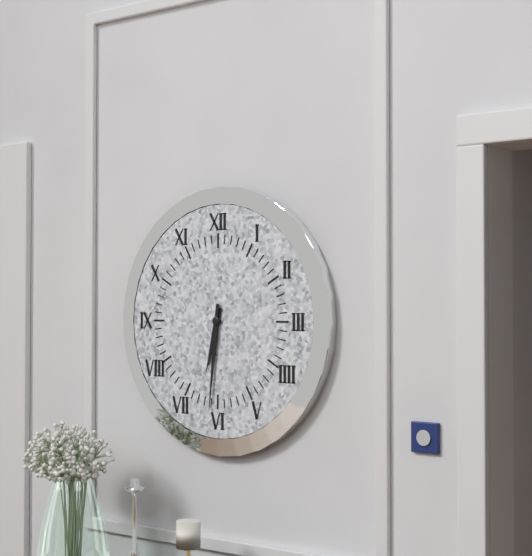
6h31
